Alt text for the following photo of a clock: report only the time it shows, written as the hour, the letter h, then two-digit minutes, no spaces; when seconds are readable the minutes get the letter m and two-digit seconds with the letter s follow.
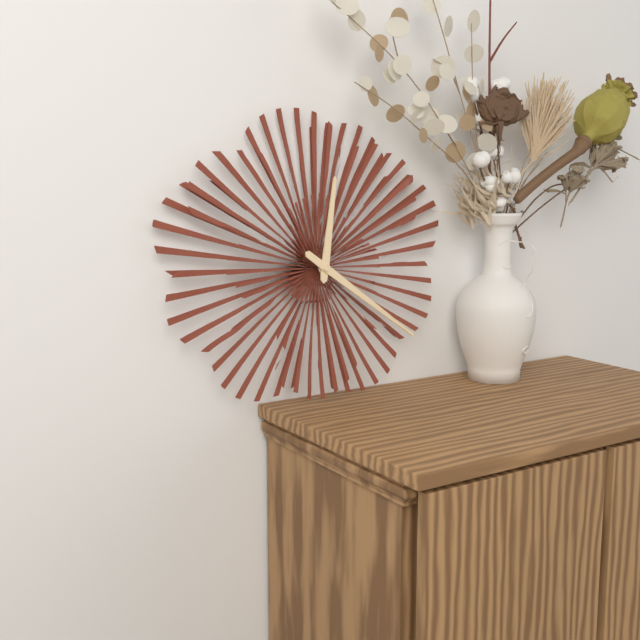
12h21
